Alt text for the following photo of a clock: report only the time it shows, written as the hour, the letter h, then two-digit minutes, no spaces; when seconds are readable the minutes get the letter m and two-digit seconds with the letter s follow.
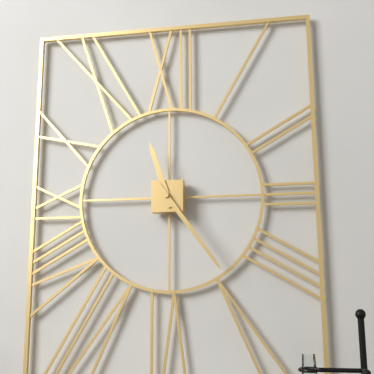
11h24
